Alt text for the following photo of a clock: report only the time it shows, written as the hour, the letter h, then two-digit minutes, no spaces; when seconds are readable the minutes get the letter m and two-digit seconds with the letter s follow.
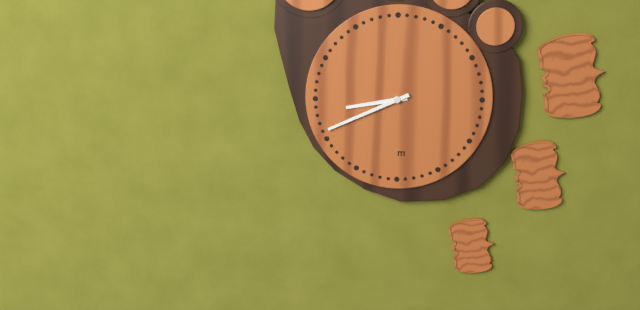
8h41
